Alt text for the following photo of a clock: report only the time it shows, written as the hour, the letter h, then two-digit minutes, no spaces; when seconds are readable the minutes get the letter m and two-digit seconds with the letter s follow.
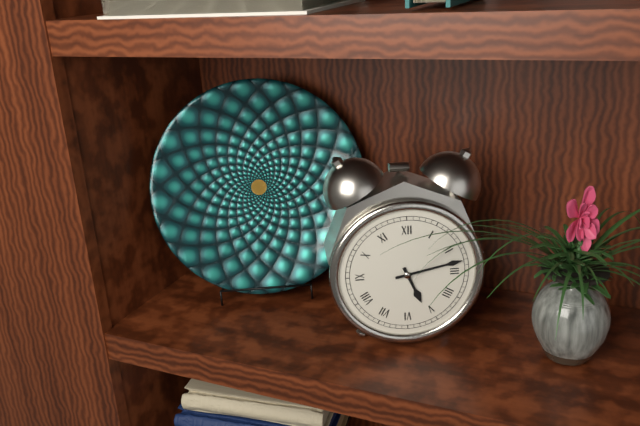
5h13
